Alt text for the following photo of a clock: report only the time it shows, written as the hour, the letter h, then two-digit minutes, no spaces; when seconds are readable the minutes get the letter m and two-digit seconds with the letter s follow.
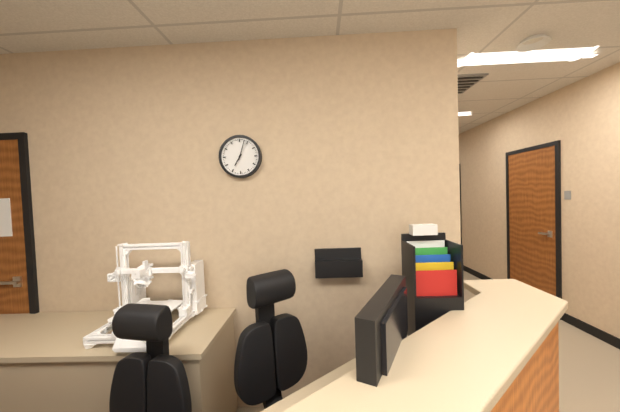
7h03
